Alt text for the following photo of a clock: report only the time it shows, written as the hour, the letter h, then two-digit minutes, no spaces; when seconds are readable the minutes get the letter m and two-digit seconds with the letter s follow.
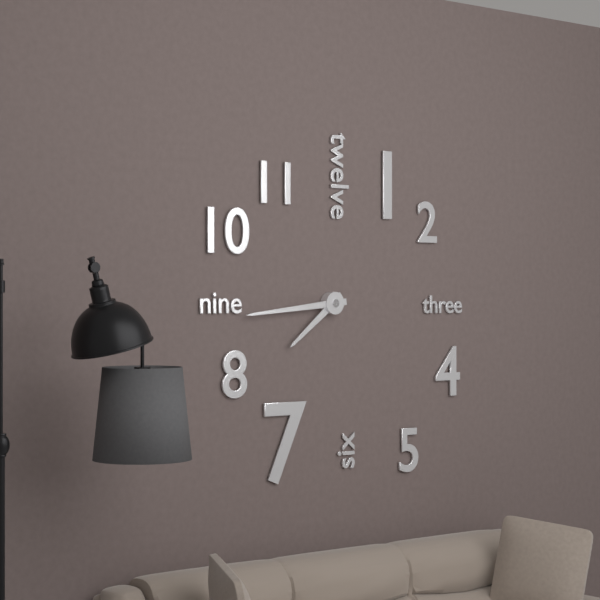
7h44
